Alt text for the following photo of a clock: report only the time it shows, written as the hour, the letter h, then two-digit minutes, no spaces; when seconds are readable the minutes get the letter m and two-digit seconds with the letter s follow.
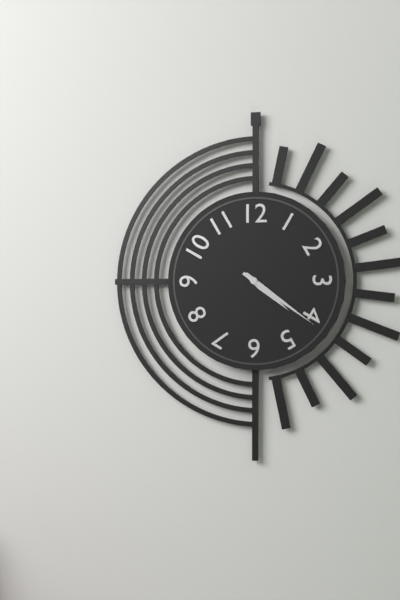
4h21
